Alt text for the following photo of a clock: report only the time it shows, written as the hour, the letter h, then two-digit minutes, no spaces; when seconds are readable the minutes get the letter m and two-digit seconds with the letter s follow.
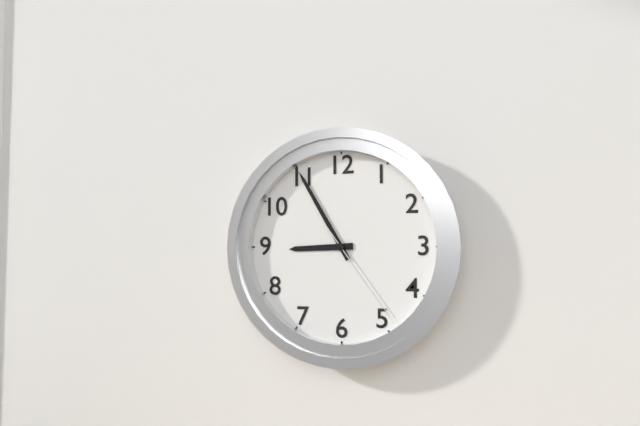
8h55m24s
